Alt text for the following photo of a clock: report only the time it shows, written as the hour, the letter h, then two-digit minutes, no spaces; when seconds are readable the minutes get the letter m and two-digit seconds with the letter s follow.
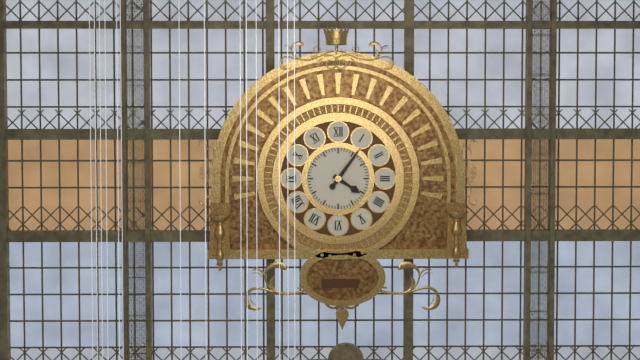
4h06
